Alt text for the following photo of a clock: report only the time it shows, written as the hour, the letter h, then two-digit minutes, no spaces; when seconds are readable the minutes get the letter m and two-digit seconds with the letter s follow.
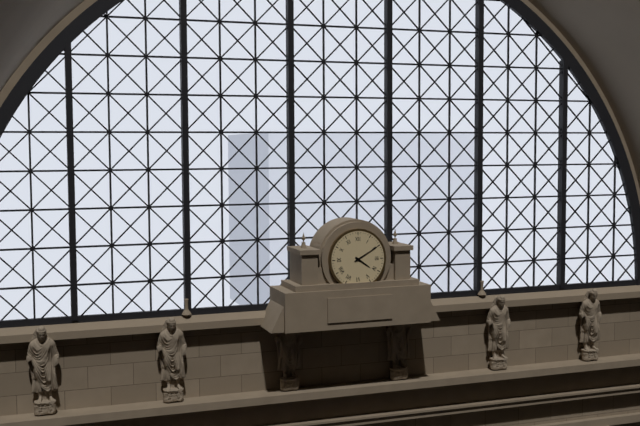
4h10
